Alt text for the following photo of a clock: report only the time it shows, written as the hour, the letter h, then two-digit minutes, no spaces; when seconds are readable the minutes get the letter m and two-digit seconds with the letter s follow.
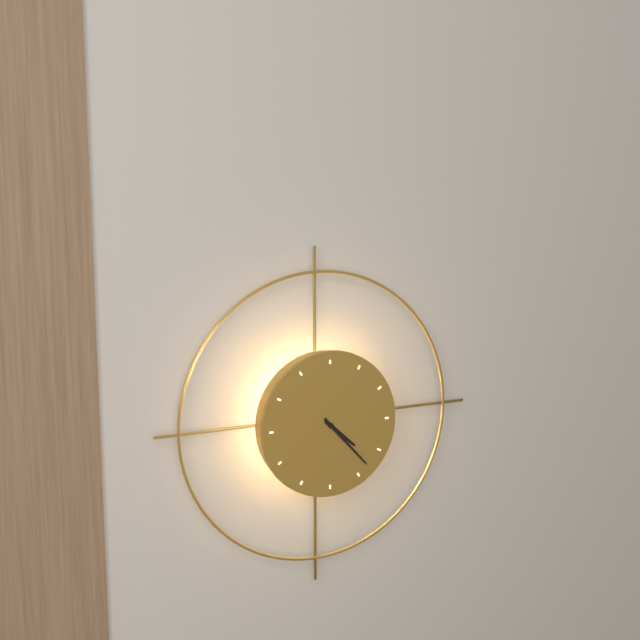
4h23
